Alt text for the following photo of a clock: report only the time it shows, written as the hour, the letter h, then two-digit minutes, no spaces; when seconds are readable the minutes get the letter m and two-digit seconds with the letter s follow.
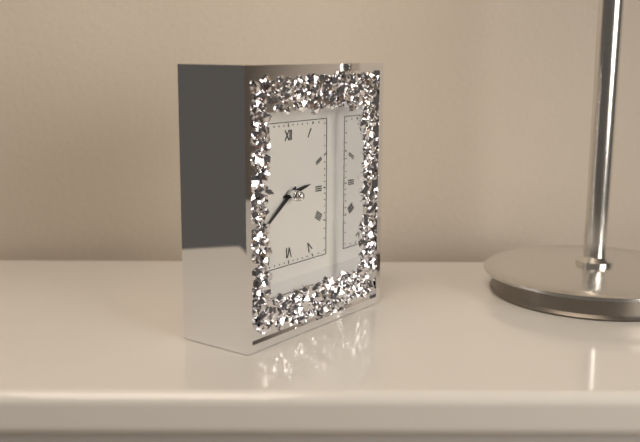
2h39
